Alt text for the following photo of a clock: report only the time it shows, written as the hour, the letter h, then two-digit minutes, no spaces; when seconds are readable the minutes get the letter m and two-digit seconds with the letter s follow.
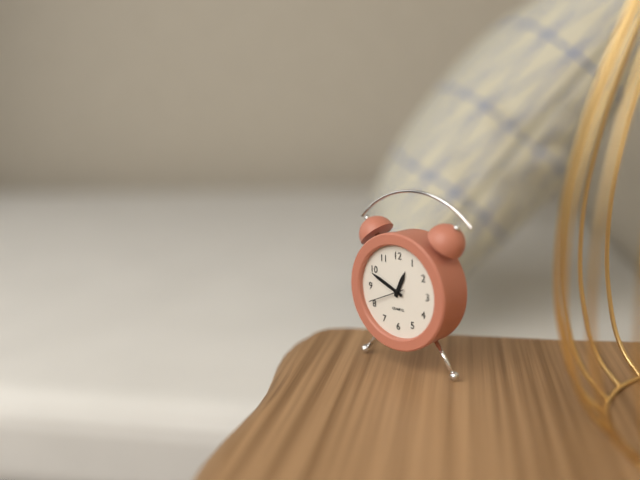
12h49
